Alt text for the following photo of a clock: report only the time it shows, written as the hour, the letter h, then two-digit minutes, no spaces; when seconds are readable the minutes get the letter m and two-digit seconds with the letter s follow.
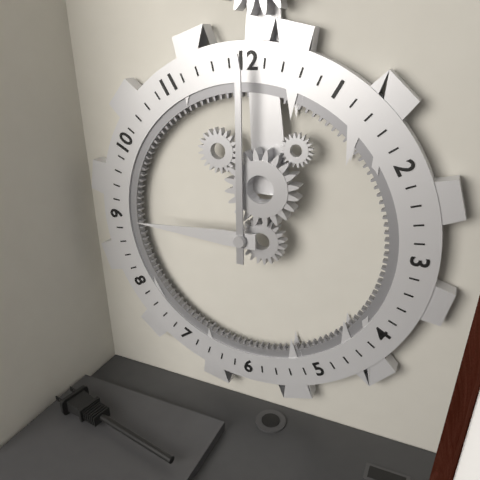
9h00
